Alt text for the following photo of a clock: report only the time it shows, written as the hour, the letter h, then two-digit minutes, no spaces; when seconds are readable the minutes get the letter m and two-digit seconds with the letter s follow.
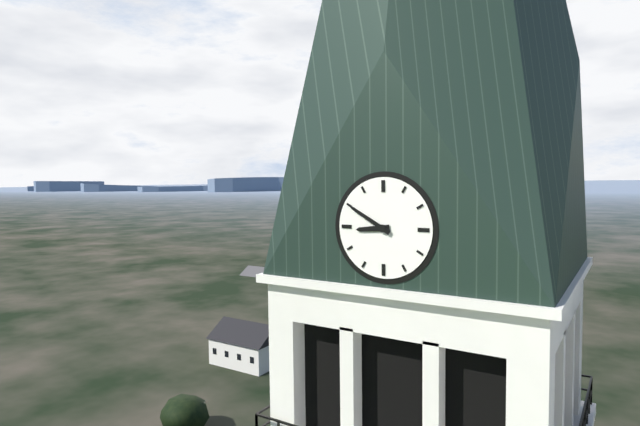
8h50
